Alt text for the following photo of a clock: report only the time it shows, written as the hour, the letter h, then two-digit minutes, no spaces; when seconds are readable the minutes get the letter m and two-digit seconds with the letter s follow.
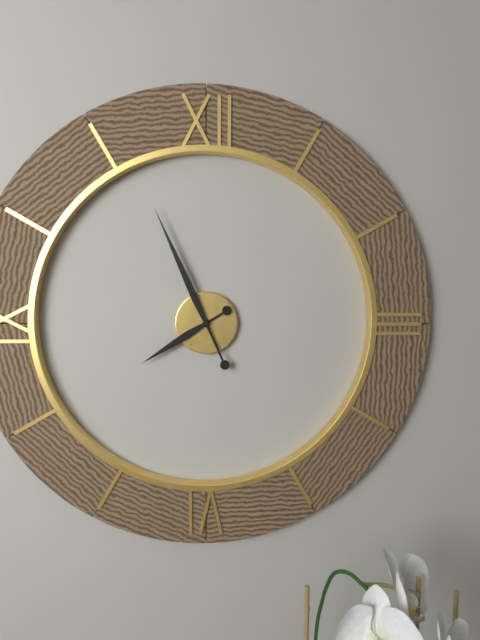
7h56
